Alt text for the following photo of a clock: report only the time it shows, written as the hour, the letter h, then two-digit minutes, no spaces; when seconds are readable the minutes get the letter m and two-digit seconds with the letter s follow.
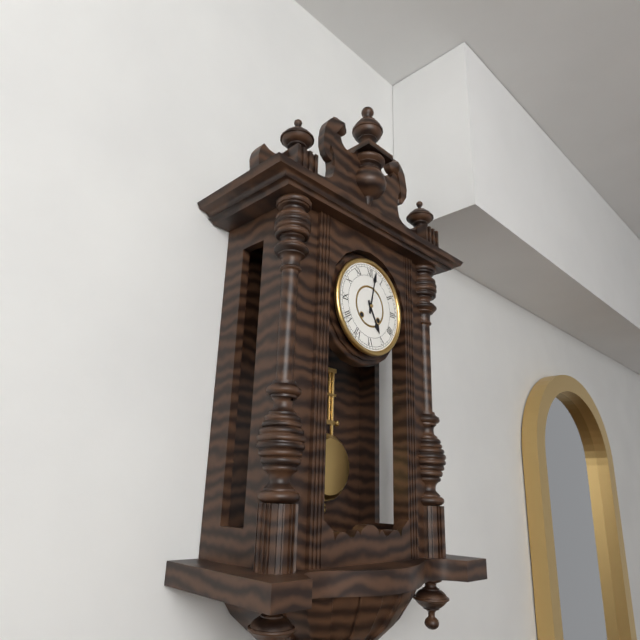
5h02
